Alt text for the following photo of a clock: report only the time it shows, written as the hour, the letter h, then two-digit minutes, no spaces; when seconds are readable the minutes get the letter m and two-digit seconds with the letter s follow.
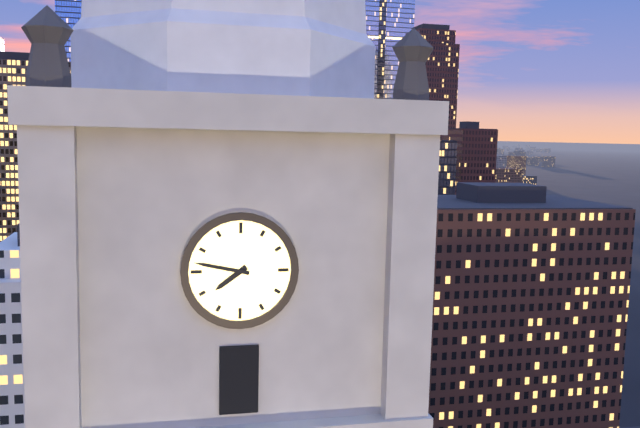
7h47
